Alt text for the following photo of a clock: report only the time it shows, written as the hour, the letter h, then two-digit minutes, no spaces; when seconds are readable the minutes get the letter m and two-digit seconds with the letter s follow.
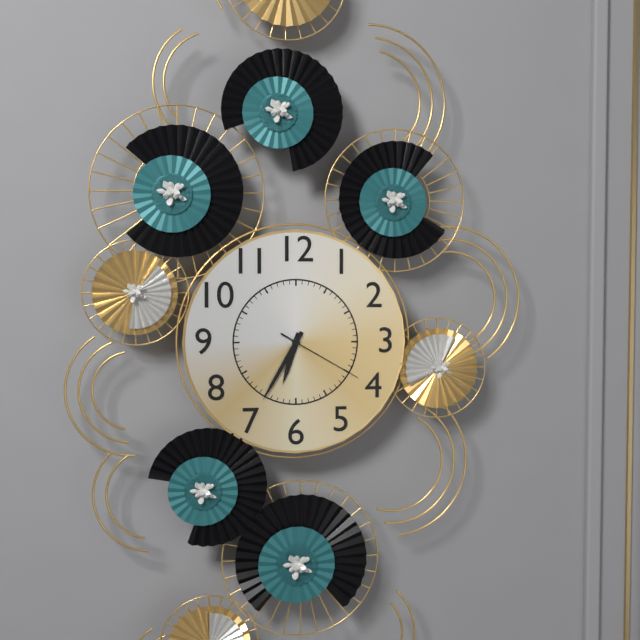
6h35m20s
